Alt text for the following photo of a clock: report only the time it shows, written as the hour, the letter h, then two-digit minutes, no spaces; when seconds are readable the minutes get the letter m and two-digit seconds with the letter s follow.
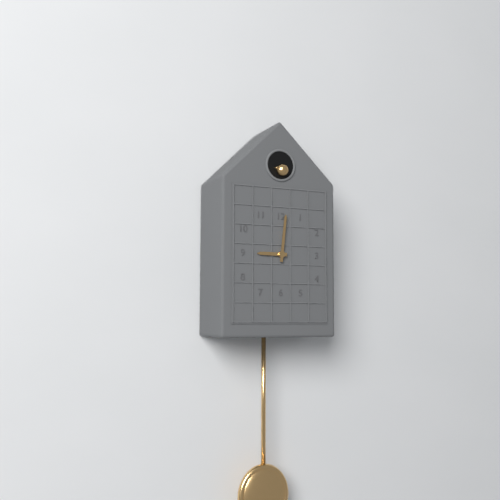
9h01
